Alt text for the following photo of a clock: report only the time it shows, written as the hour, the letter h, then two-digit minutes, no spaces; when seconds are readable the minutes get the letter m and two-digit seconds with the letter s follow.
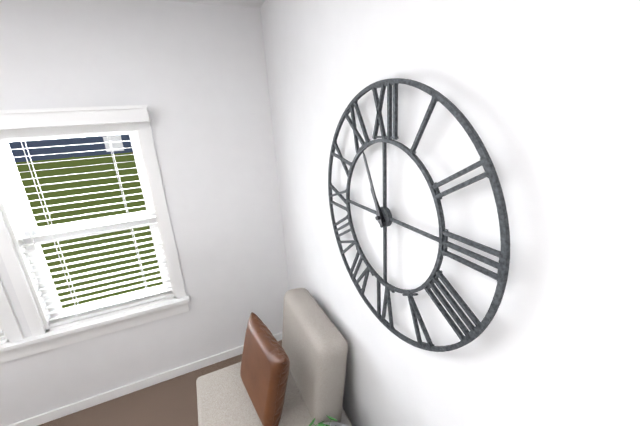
10h56
